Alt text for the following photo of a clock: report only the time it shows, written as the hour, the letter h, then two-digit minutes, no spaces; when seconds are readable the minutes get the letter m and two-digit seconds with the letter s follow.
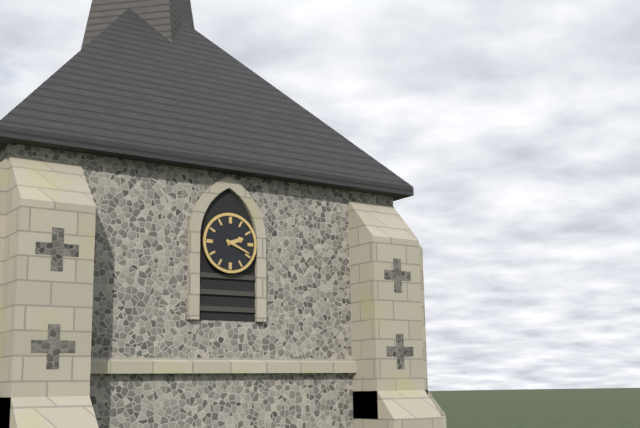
2h19
